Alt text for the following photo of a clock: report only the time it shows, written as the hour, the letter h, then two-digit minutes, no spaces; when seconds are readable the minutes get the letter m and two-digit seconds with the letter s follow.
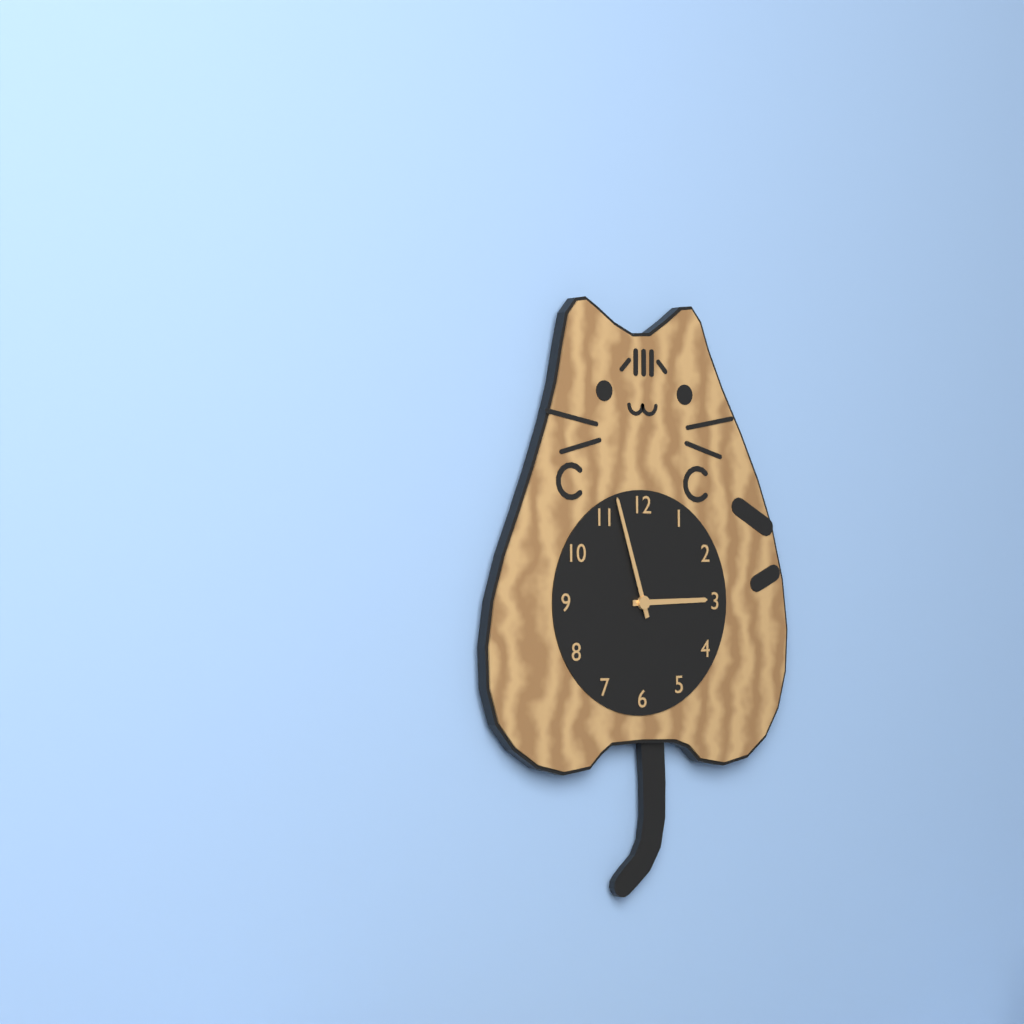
2h57
